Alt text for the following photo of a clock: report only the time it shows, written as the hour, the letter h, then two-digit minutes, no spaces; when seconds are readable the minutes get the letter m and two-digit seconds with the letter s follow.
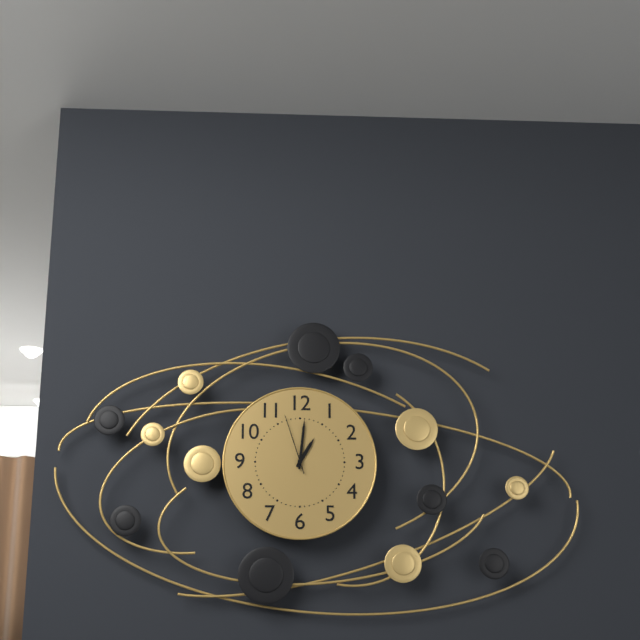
1h01m57s
